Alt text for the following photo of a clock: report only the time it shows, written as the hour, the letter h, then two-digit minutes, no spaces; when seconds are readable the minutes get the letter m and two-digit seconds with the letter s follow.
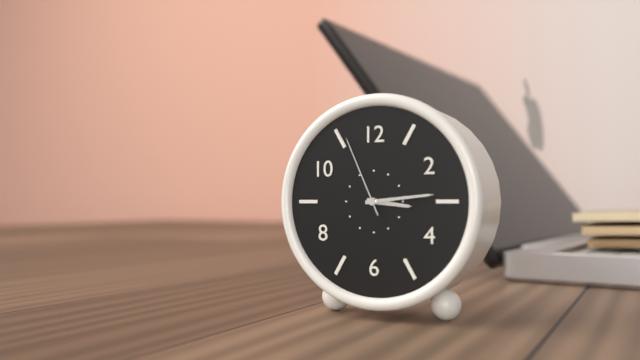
3h14m56s
